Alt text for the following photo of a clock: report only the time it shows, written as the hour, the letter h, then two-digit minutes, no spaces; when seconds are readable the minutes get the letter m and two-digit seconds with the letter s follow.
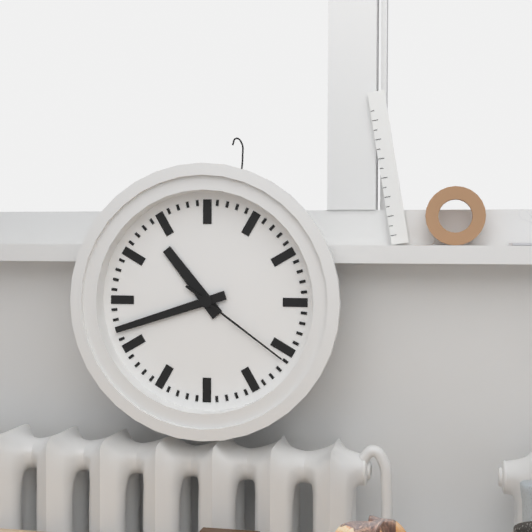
10h42m21s
